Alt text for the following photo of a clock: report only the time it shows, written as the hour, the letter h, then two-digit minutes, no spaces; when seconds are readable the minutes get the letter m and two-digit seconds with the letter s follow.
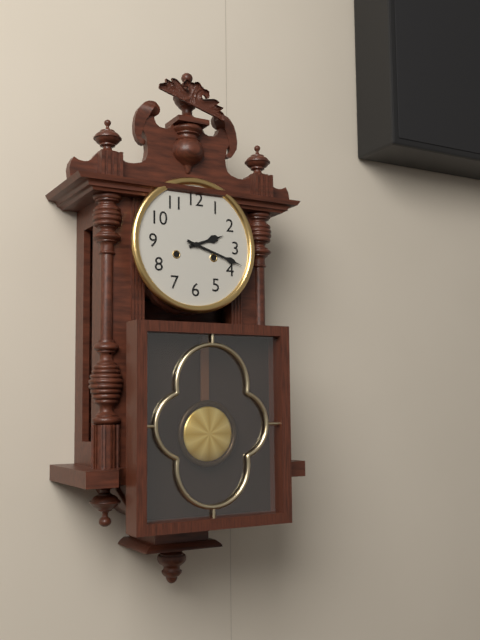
2h18
